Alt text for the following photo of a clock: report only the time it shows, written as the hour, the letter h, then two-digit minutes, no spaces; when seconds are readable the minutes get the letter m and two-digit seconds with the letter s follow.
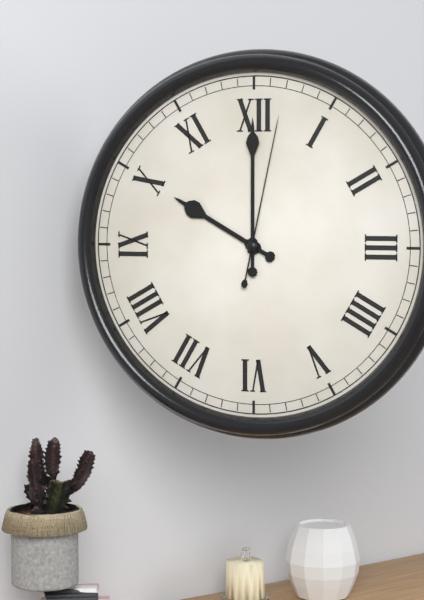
10h00m02s
